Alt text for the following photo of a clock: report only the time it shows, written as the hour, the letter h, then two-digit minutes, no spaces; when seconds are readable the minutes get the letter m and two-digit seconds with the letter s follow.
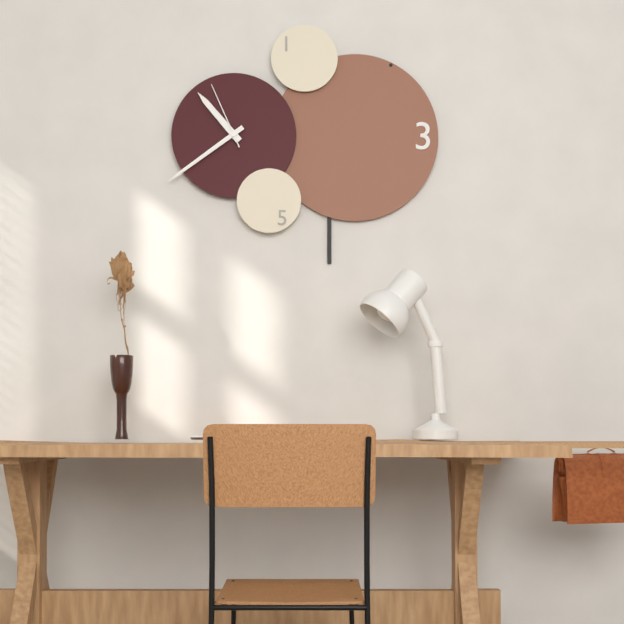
10h39m56s
